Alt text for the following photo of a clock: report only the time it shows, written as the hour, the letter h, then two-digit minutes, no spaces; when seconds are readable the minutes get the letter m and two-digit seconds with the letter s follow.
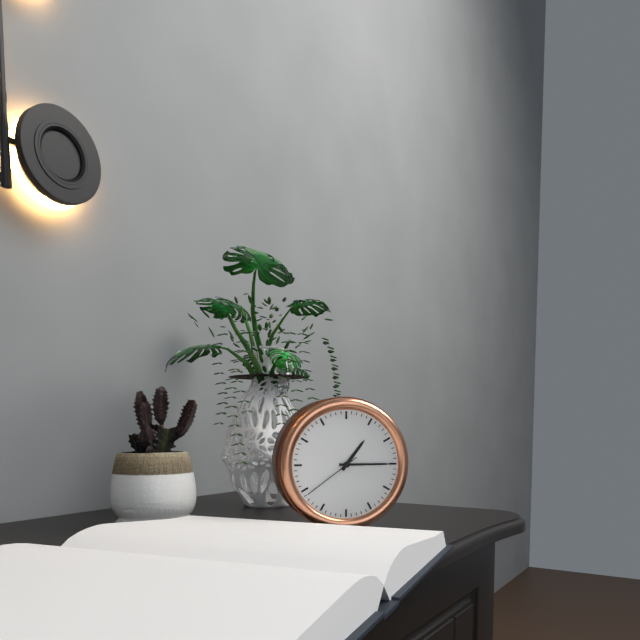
1h15m39s
